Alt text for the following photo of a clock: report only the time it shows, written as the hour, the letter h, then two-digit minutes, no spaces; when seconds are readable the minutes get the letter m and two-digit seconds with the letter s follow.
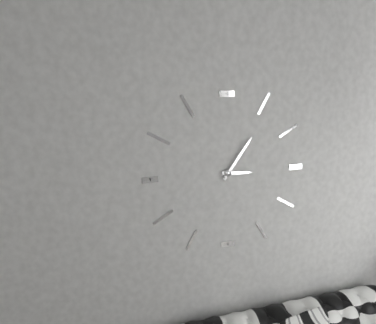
3h06
